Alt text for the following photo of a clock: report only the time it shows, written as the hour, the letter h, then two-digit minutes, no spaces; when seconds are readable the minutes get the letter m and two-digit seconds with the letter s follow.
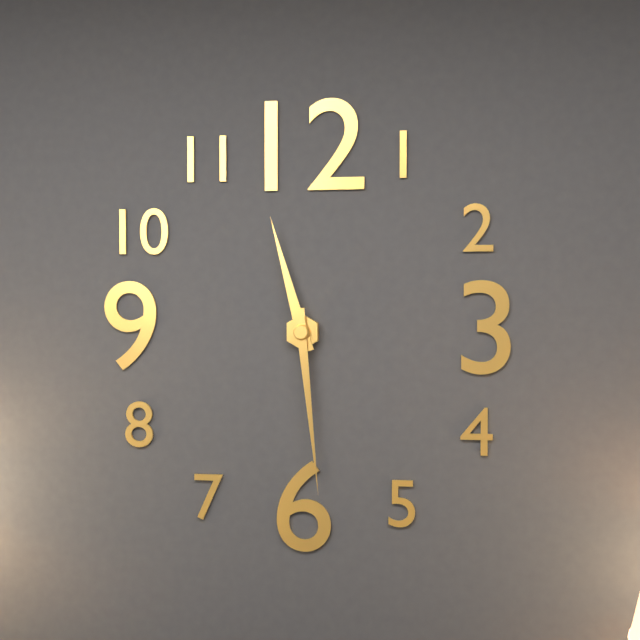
11h29
